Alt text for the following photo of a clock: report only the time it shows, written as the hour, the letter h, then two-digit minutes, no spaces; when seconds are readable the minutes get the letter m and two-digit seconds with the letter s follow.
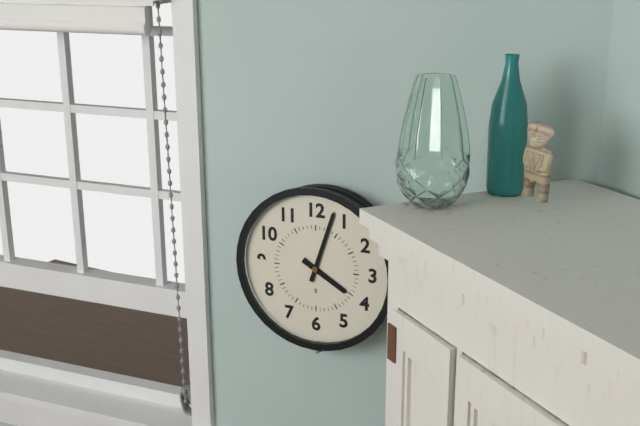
4h03
